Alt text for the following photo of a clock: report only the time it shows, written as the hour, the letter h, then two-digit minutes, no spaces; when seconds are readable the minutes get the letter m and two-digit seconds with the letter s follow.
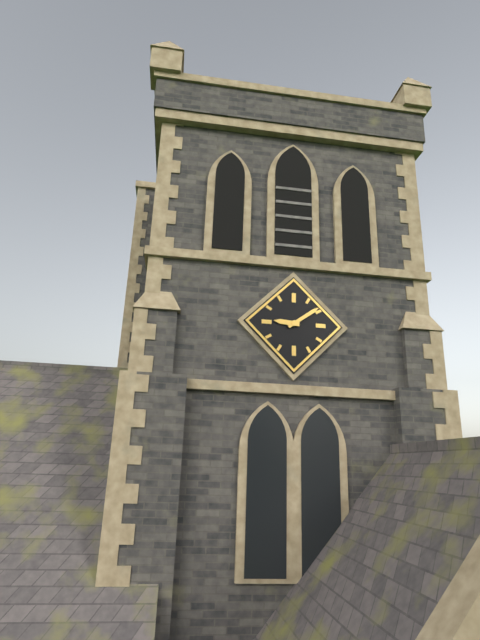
9h09
